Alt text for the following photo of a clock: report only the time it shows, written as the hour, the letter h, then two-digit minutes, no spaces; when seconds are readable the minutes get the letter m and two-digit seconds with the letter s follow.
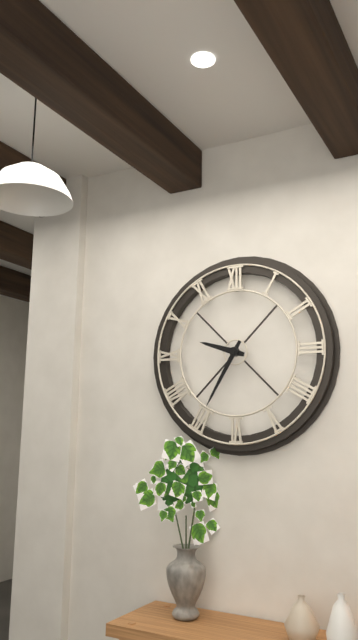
9h35
